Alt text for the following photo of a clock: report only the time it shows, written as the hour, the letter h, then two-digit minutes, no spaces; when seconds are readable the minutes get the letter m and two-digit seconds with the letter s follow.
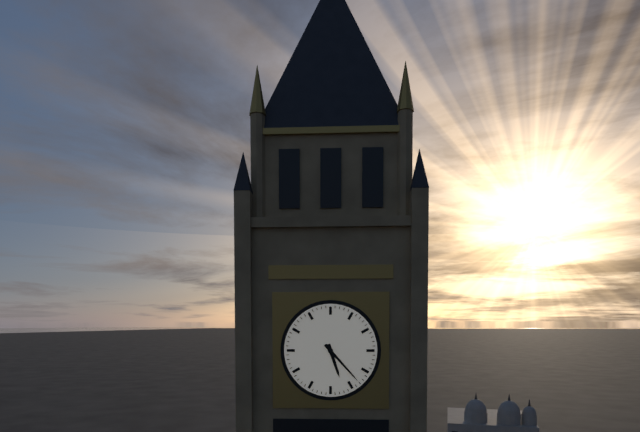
5h23
